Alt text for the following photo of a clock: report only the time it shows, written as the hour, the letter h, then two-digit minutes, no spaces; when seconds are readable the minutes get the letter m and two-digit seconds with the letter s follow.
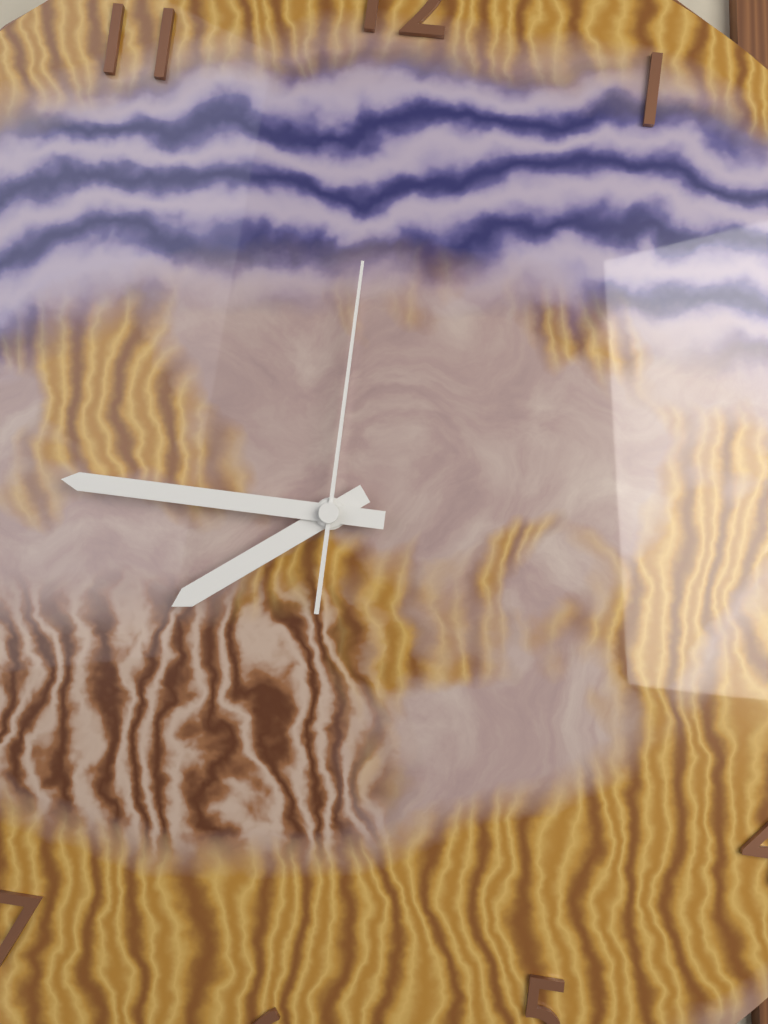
7h45m00s
